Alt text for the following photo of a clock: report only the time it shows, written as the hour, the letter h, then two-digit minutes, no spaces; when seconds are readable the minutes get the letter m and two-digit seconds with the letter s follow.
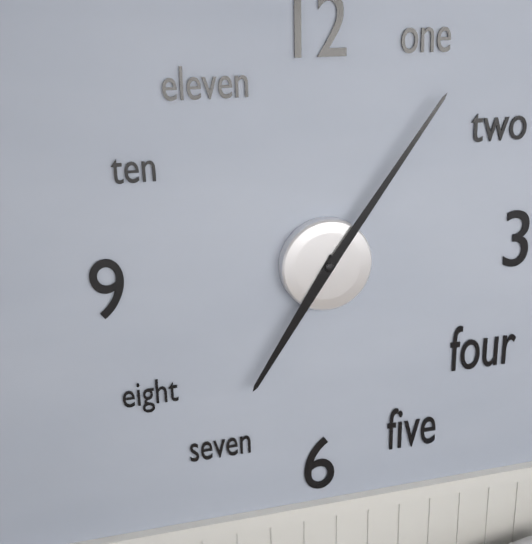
7h06
